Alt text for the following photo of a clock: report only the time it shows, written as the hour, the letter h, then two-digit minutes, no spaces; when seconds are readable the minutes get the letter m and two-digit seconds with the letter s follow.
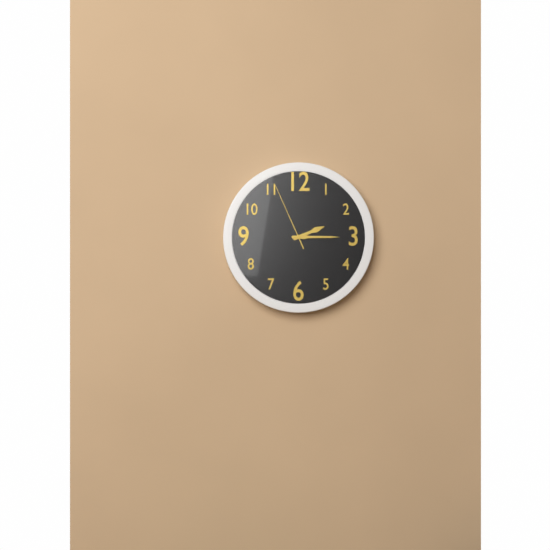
2h15m56s
